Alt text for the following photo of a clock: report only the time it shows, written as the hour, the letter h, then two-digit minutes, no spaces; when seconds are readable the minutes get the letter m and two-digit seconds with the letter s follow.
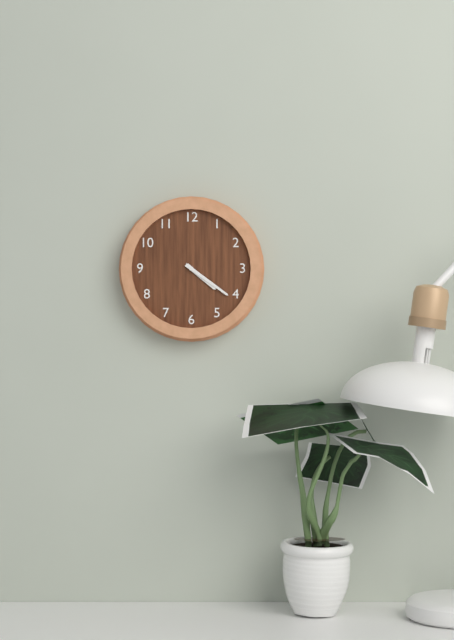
4h21
